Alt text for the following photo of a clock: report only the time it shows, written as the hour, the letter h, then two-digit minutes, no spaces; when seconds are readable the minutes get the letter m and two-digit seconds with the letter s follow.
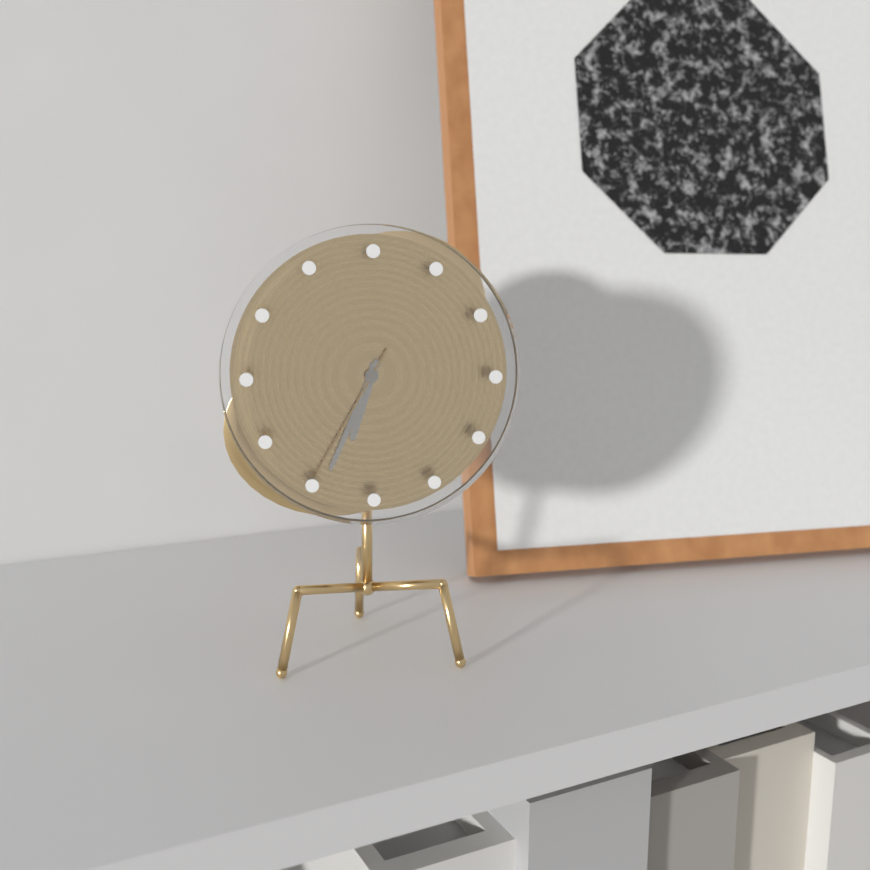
6h34m35s
